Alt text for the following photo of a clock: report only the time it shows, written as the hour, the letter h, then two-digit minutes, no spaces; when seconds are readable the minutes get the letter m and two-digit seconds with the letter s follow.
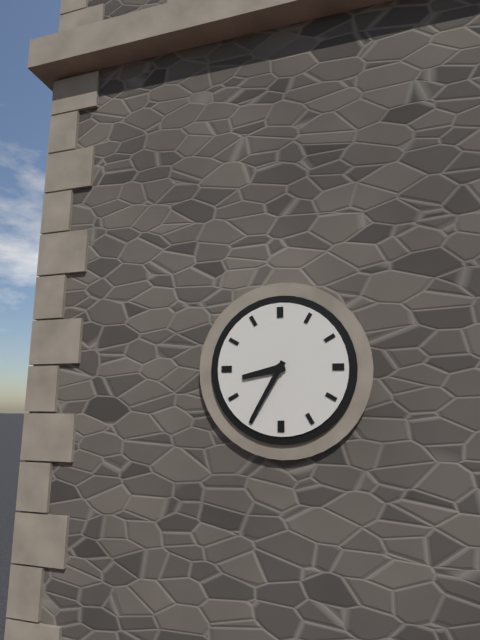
8h35
